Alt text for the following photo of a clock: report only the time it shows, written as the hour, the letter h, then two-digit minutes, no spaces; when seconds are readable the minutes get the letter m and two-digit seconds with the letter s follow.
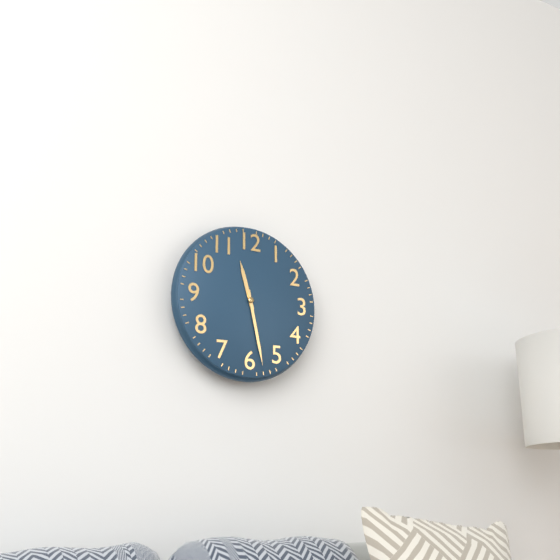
11h28
